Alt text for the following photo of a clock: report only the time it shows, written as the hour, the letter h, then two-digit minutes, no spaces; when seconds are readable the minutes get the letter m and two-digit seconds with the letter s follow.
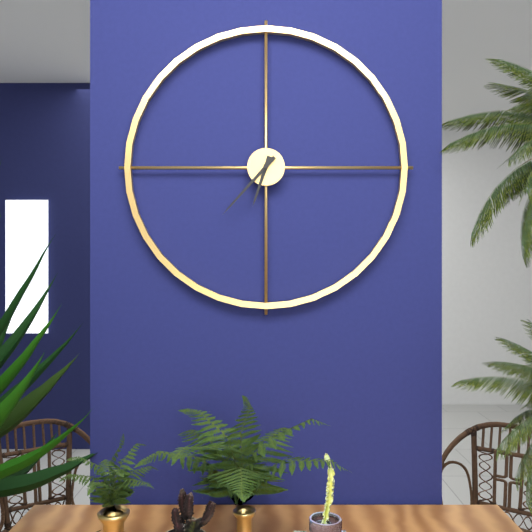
6h37
